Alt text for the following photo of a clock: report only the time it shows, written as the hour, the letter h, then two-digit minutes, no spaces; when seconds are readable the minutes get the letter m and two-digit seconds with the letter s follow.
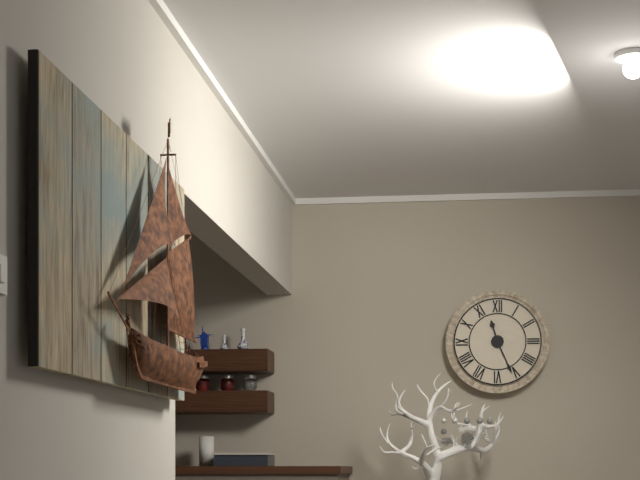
11h26
